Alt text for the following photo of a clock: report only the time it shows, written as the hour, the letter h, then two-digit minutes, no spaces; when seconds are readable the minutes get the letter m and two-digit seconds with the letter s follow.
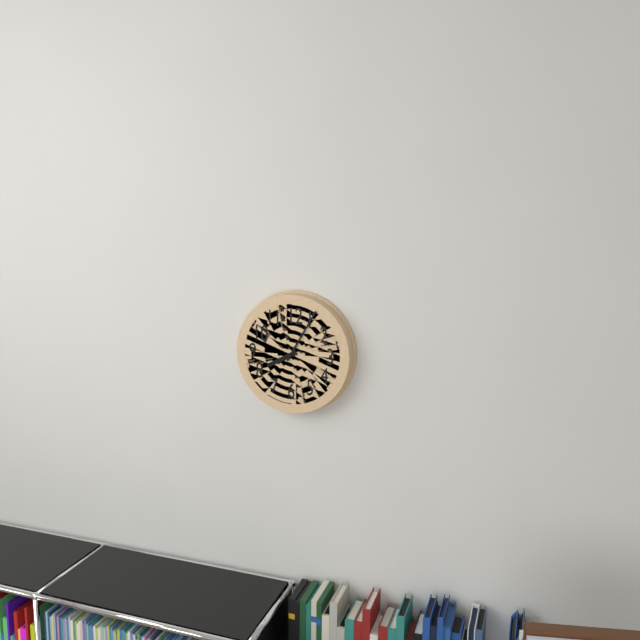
8h05
